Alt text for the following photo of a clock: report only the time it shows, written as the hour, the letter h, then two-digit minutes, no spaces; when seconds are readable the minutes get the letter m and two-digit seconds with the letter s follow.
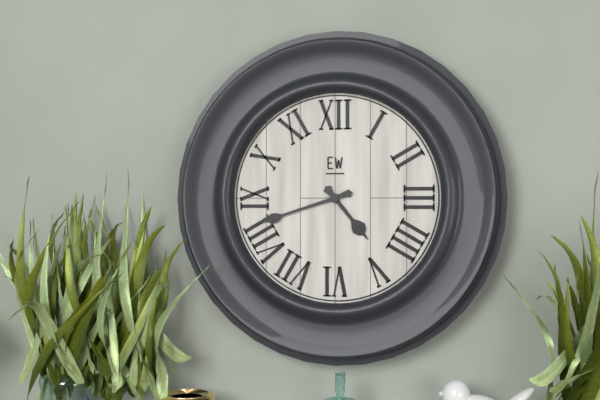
4h42
